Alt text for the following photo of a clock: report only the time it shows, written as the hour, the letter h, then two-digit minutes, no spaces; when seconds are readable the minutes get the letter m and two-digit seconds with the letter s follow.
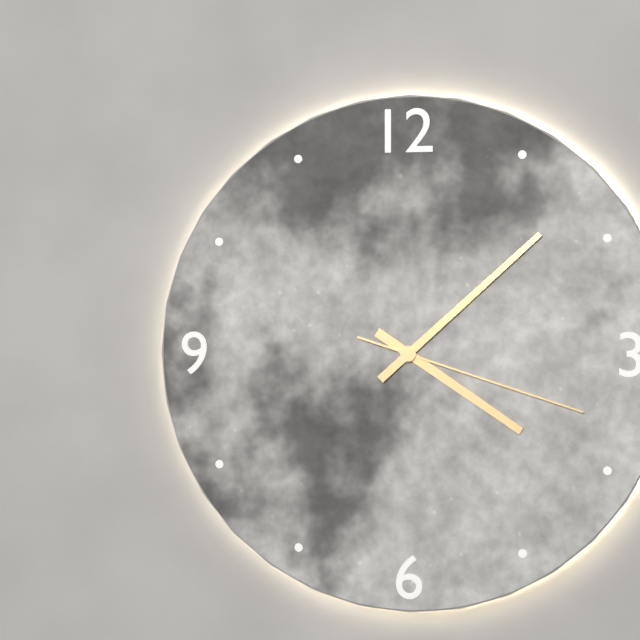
4h08m18s
